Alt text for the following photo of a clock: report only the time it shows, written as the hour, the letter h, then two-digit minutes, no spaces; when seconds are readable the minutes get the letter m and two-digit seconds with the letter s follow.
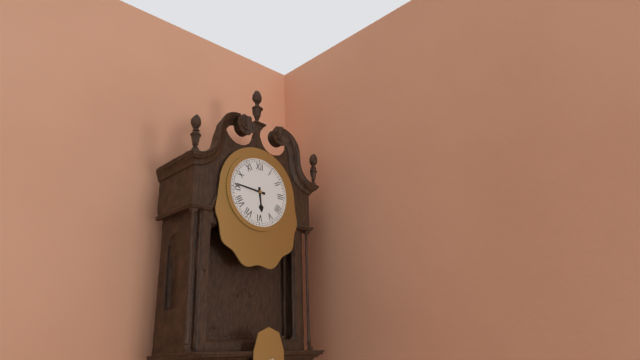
5h46
